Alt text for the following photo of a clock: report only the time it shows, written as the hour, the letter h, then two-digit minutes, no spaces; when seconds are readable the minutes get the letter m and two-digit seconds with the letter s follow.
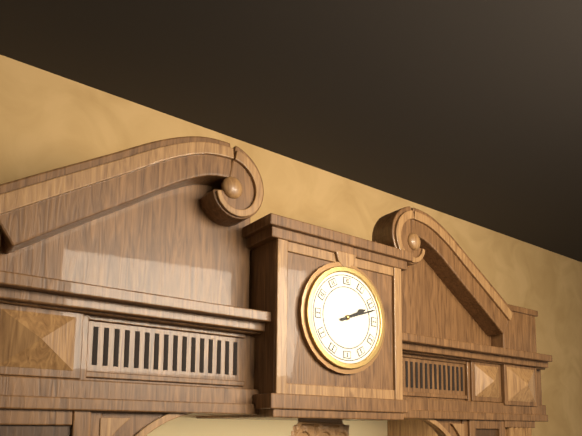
2h12
